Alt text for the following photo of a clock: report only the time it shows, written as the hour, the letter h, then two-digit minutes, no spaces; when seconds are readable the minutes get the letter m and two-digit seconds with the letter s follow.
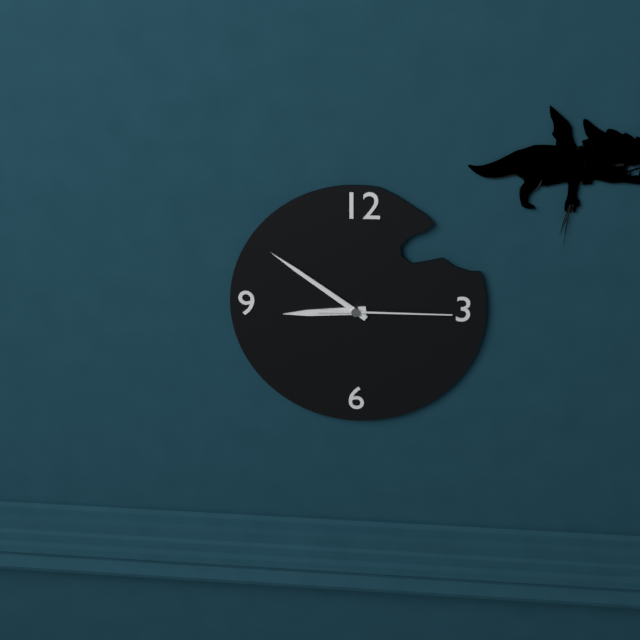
8h51m15s
